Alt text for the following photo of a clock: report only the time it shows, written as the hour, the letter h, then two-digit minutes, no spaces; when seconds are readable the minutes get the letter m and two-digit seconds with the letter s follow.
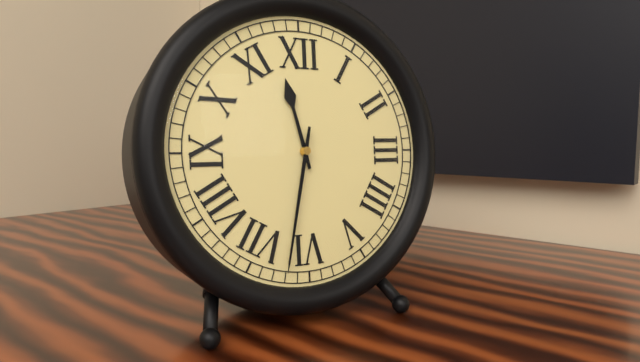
11h32
